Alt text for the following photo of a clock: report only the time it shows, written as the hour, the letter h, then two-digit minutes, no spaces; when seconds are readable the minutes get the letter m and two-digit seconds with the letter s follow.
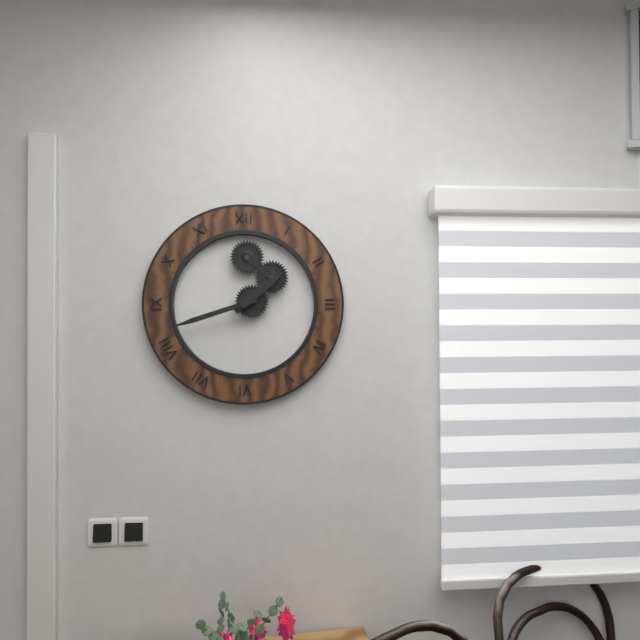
1h42
